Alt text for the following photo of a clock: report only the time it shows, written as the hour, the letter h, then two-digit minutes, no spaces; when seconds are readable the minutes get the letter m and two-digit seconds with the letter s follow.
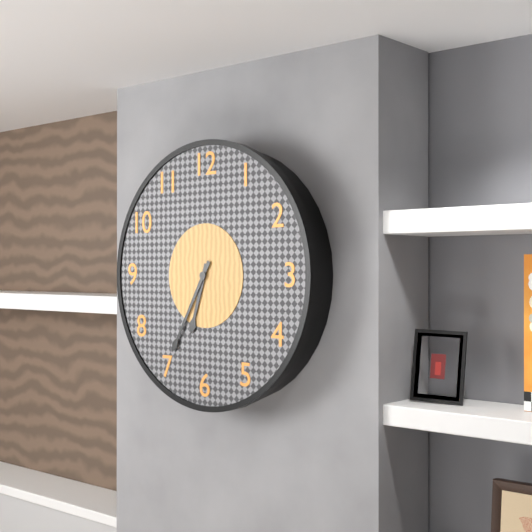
6h35
